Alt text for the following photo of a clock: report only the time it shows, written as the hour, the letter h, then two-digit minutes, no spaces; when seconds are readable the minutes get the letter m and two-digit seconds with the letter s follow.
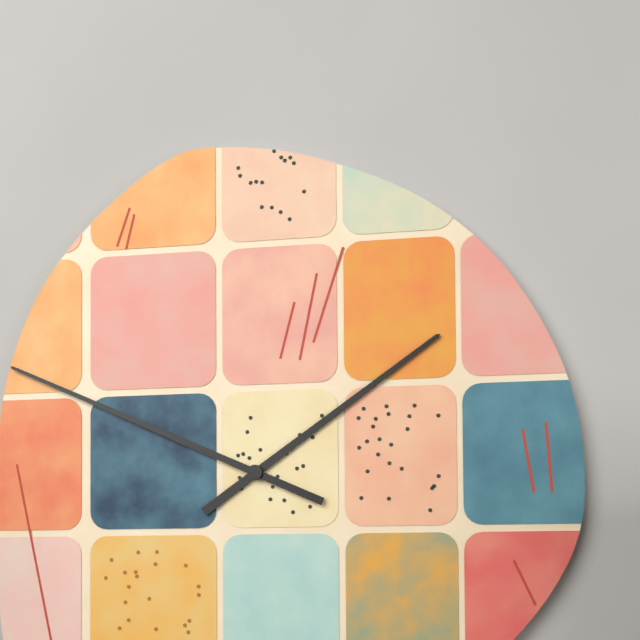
1h49
